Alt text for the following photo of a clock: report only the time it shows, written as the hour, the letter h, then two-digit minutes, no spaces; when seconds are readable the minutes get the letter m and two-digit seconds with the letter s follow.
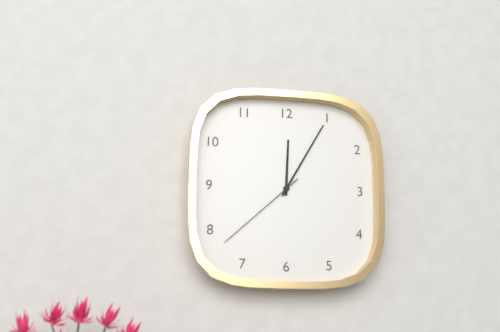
12h05m38s
